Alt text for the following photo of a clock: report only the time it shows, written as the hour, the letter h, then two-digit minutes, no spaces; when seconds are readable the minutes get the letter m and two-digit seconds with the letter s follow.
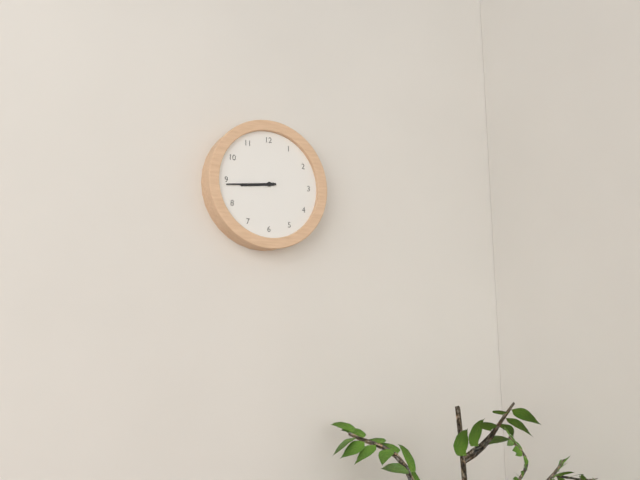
8h44
